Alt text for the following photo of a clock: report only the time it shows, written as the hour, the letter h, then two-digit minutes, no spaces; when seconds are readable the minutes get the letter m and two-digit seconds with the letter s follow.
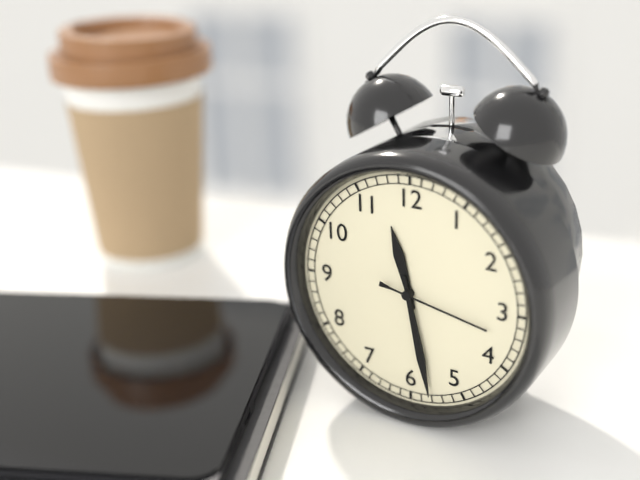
11h28m17s
